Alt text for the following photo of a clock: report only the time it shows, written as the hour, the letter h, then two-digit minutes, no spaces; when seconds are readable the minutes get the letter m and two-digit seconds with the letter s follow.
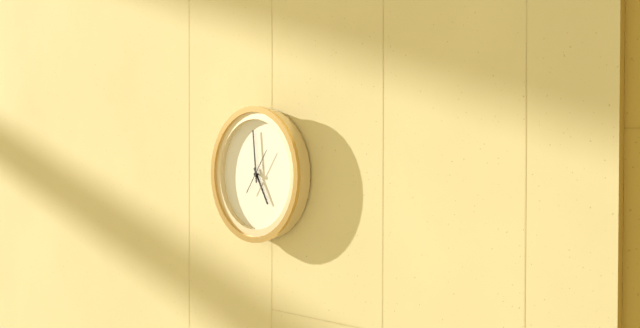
4h59
